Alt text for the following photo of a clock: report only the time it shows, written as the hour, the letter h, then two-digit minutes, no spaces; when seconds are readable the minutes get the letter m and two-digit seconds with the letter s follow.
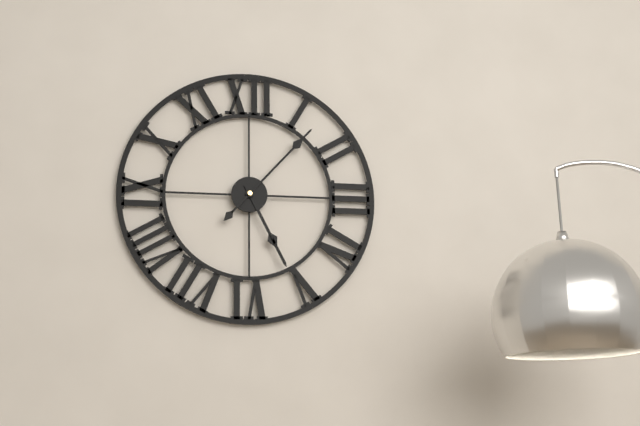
5h07
